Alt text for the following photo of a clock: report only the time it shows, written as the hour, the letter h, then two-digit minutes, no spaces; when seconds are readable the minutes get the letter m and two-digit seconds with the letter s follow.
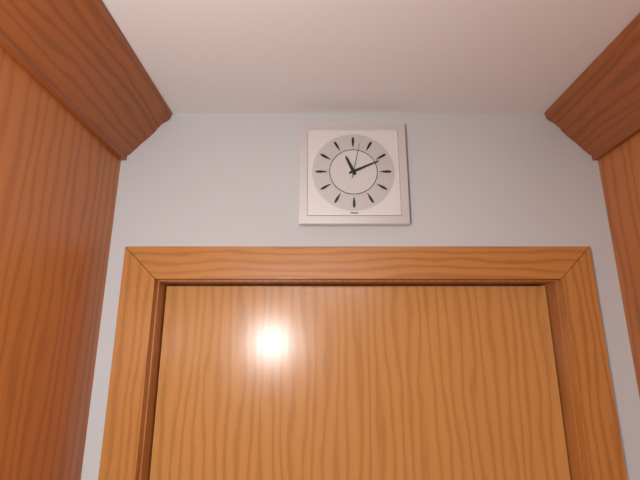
11h11
